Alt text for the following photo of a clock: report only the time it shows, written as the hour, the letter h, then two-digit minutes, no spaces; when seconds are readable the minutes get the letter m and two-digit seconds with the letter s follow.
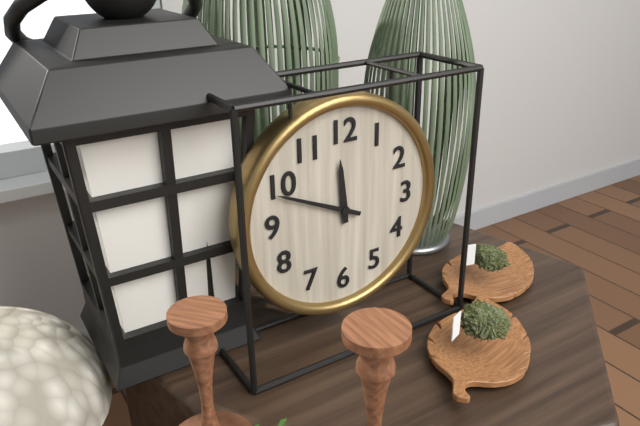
11h49
